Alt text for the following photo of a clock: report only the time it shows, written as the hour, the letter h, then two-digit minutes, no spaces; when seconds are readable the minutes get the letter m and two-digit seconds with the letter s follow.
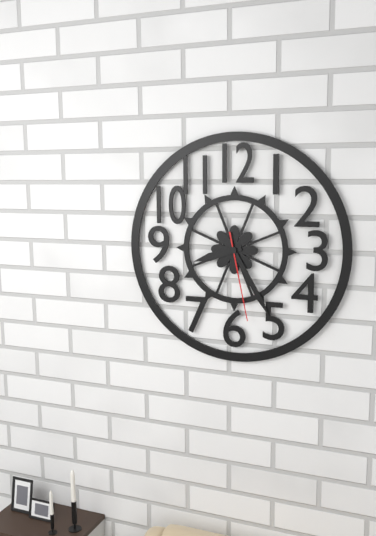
8h25m28s
